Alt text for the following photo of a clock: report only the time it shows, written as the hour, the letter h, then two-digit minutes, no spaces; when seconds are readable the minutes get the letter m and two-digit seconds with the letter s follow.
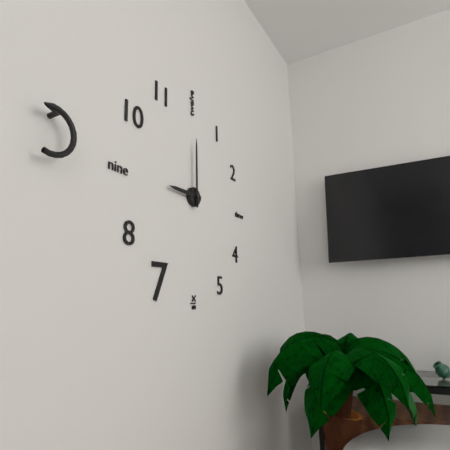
9h00
